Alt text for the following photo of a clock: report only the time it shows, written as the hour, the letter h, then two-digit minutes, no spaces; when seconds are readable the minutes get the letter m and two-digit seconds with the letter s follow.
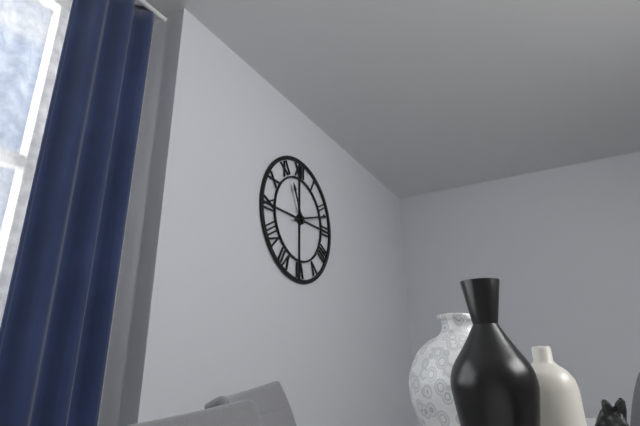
11h12
